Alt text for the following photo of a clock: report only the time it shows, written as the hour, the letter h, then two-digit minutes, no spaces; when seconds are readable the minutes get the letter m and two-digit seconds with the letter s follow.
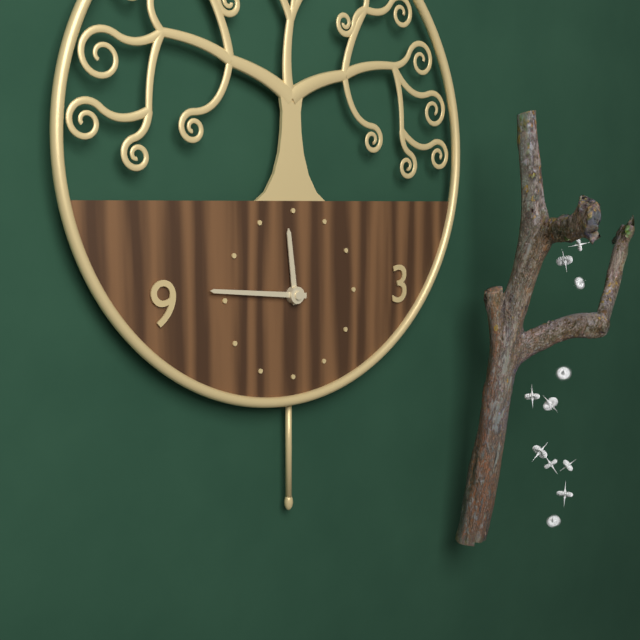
11h46
